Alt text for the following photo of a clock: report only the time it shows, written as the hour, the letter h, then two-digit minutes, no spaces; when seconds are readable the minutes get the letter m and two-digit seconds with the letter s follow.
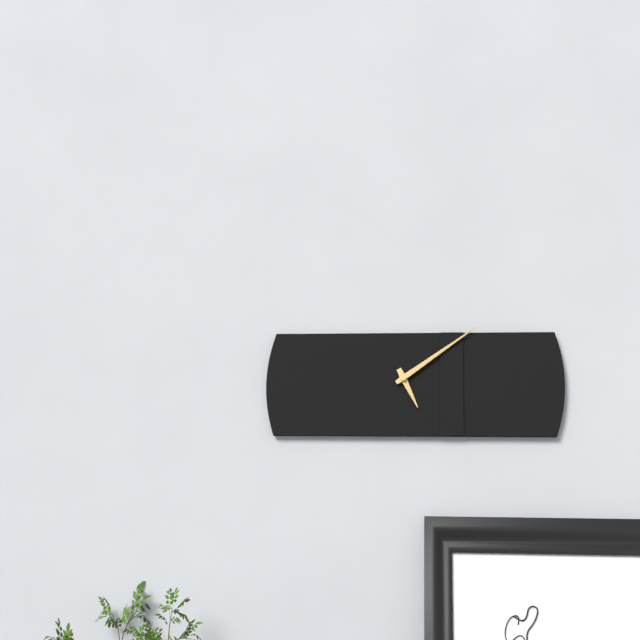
5h09
